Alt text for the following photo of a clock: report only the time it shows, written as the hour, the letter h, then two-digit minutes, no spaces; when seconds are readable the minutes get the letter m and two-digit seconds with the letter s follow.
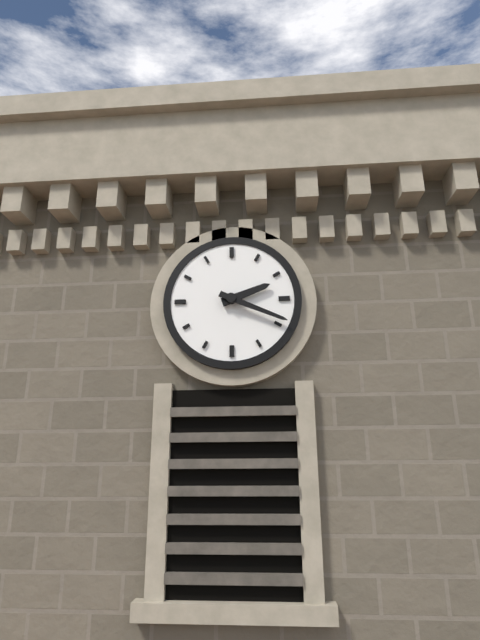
2h19
